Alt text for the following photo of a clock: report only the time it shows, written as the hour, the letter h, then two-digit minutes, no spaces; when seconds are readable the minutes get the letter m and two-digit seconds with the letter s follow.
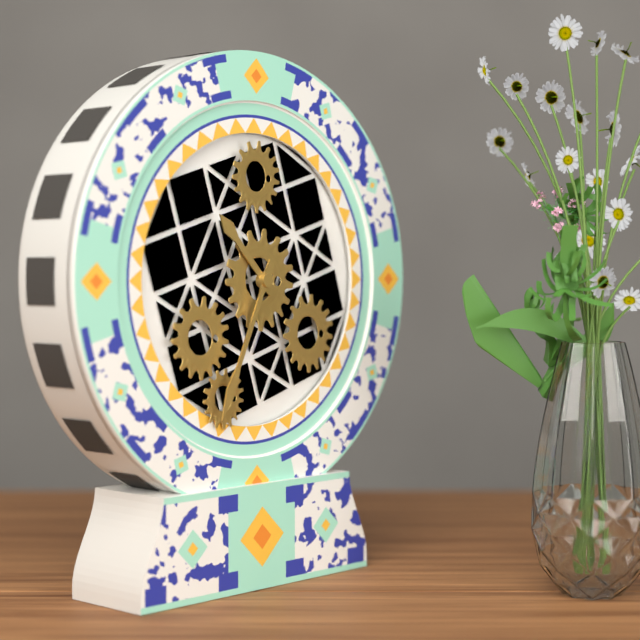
10h34
